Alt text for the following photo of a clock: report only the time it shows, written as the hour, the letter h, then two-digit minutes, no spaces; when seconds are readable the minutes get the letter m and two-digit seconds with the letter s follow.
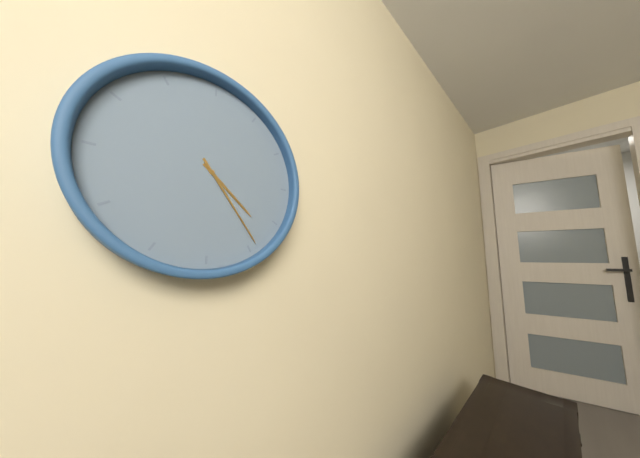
4h24
